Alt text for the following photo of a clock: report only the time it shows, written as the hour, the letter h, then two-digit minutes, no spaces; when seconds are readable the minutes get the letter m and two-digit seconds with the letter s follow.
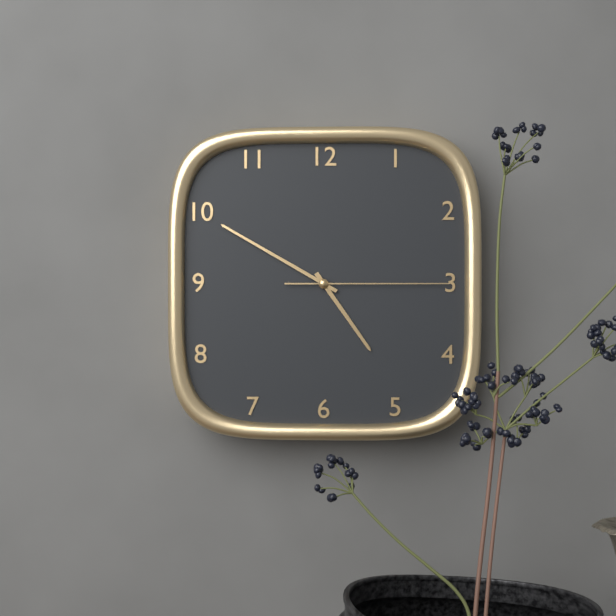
4h50m15s
